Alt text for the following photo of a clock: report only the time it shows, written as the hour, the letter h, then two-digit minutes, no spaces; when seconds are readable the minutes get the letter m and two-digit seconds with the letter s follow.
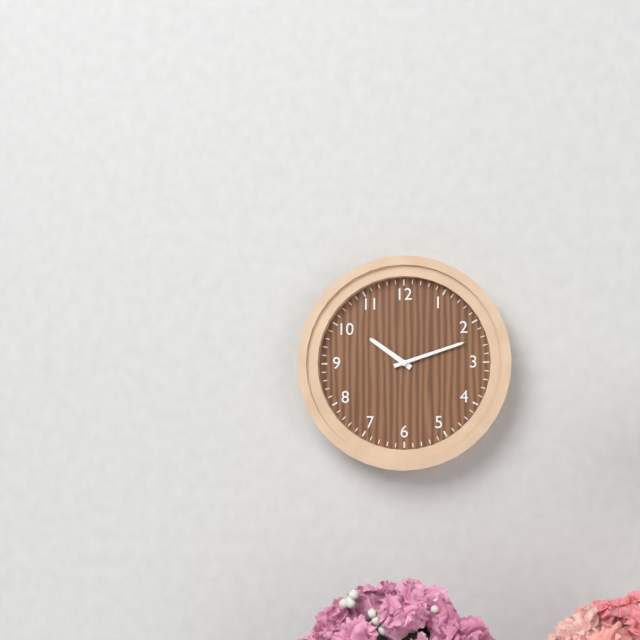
10h12
